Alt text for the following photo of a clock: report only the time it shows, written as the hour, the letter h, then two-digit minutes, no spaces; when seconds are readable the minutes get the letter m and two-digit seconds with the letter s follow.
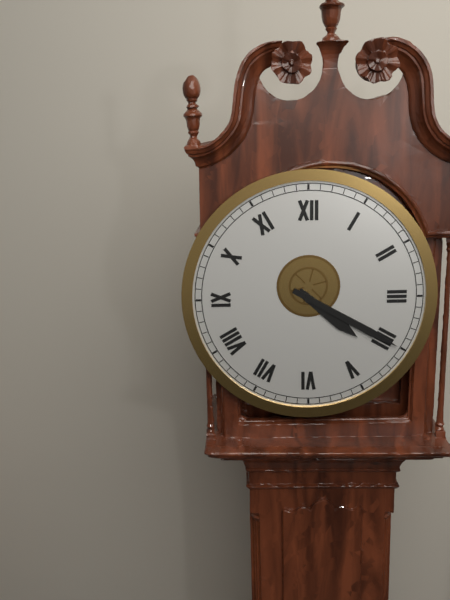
4h20
